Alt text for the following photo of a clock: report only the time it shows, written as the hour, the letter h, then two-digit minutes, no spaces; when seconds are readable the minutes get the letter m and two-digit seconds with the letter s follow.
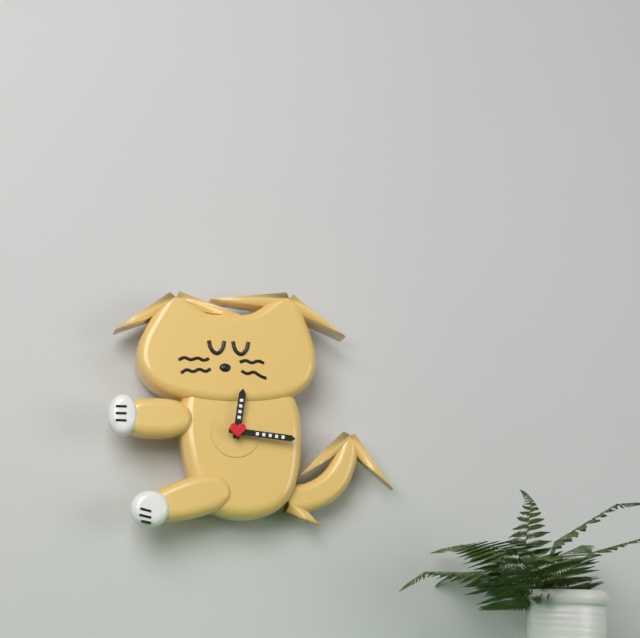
12h16
